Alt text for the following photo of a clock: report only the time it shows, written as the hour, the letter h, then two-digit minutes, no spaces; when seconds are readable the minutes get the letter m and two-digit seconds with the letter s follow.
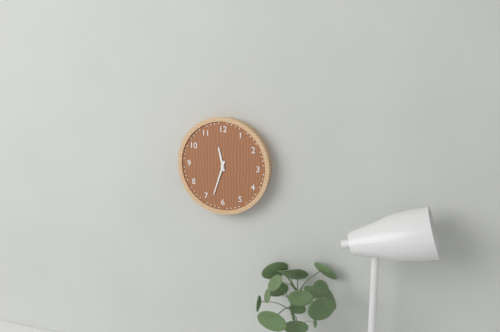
11h33
